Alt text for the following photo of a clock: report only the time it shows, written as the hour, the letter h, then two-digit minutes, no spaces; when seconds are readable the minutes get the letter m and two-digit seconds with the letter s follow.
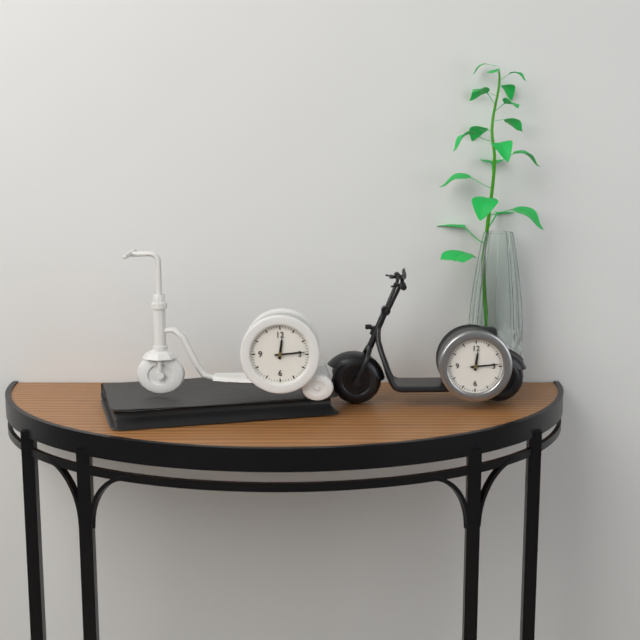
12h14
